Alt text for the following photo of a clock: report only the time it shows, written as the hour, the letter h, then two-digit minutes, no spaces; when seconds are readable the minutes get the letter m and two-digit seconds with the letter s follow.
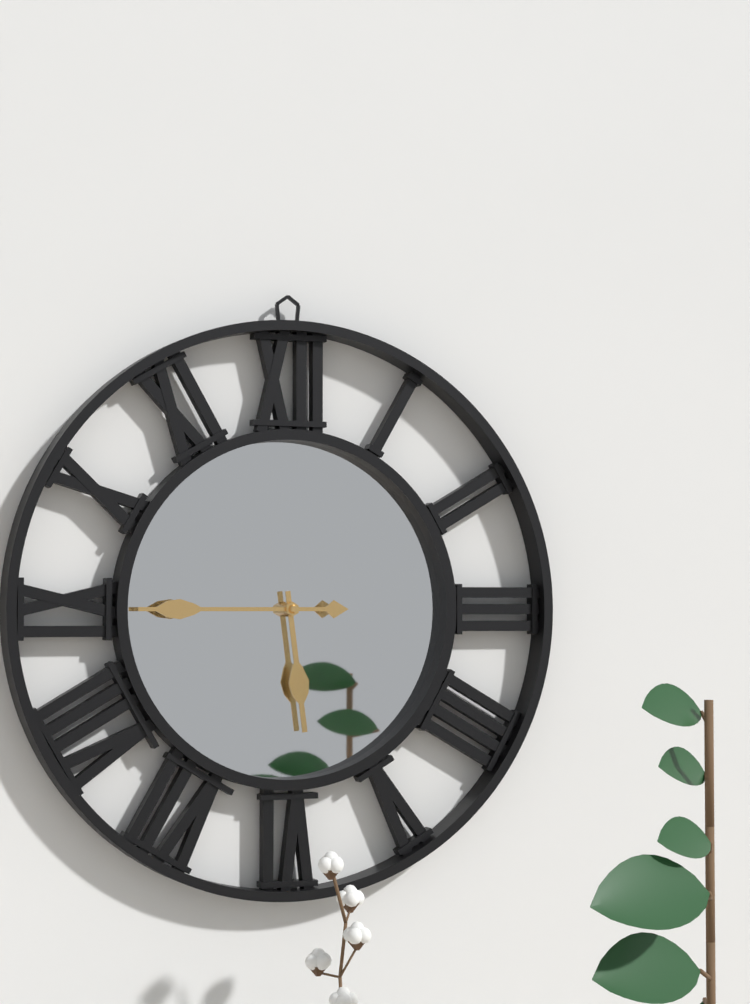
5h45
